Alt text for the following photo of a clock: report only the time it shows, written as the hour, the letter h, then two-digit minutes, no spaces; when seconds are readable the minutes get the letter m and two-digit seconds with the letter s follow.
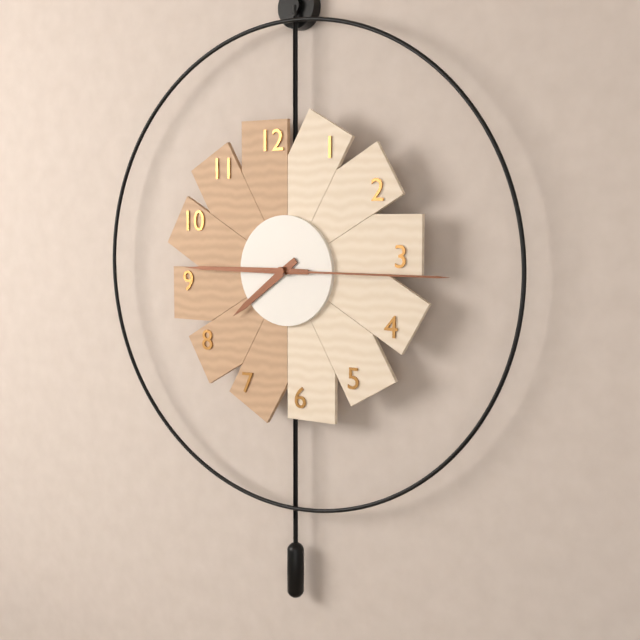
7h45m15s
